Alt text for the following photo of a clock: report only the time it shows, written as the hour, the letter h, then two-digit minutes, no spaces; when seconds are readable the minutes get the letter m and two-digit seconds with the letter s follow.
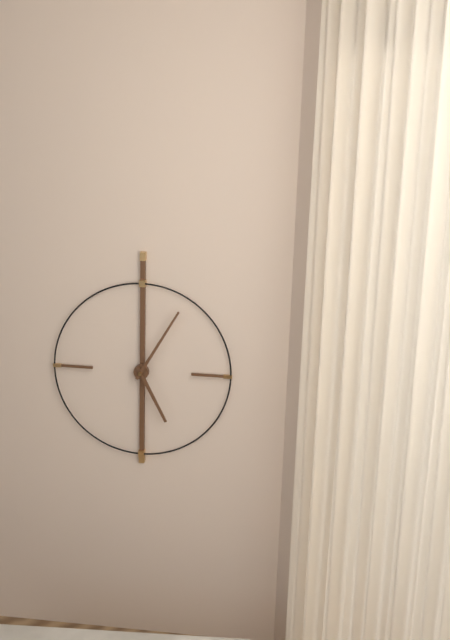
5h05
